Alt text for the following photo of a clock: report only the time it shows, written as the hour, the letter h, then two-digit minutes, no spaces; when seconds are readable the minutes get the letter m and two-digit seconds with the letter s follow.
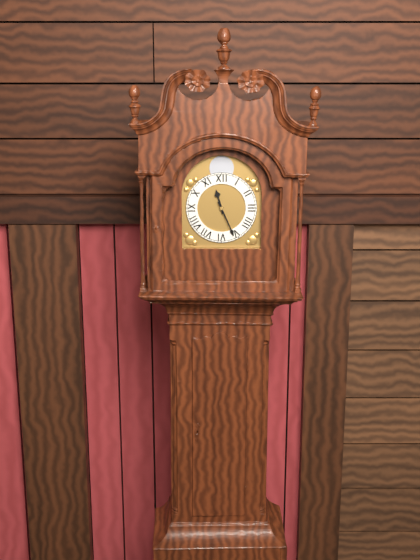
11h26
